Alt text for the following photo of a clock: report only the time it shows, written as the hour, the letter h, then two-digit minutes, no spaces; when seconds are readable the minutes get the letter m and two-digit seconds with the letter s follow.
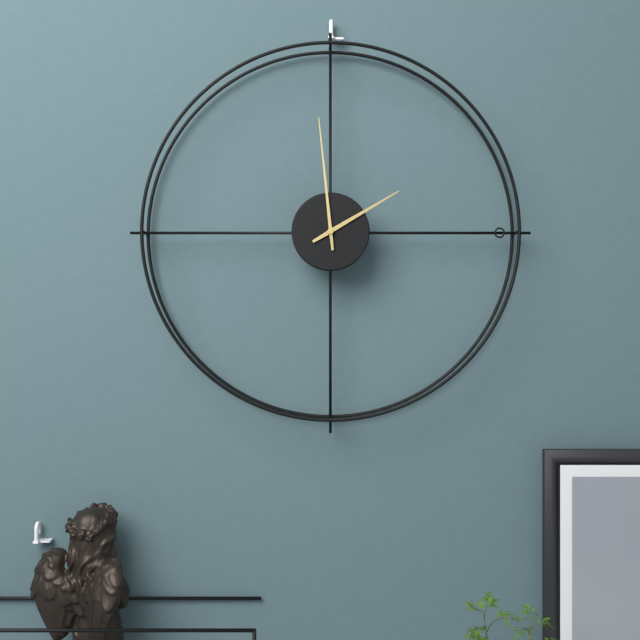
1h59
